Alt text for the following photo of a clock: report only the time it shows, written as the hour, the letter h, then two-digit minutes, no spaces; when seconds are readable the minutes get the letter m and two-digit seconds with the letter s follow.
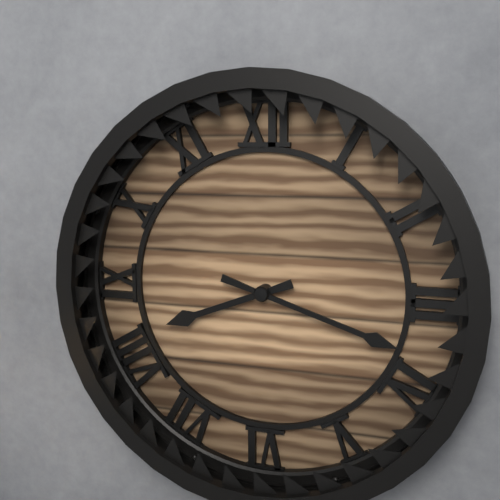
8h18
